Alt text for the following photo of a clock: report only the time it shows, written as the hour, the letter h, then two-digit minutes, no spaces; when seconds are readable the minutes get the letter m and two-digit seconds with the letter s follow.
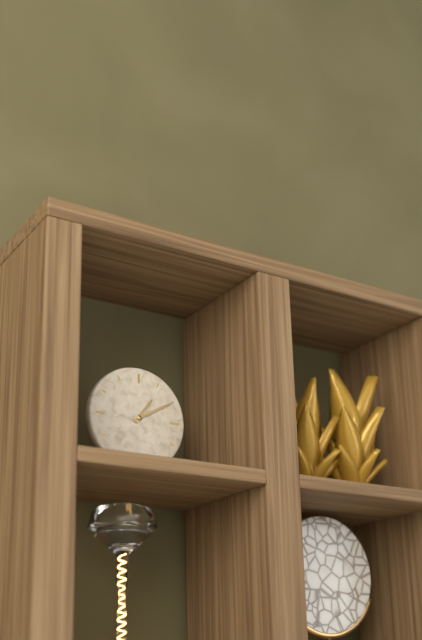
1h10
